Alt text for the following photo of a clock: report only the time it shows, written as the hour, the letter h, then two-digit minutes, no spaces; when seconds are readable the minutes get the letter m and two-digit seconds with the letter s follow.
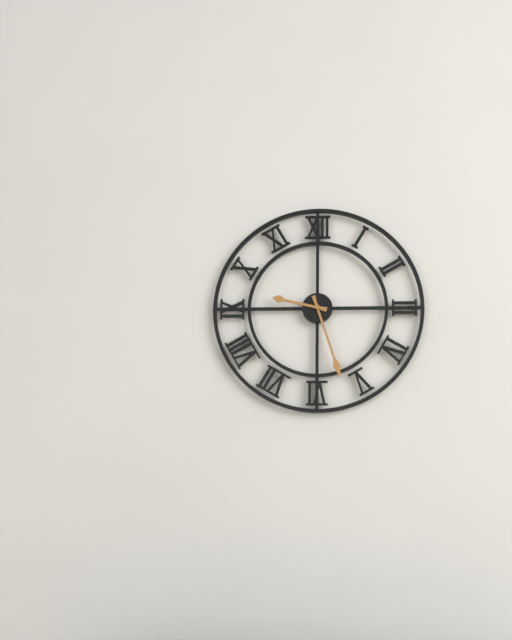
9h27
